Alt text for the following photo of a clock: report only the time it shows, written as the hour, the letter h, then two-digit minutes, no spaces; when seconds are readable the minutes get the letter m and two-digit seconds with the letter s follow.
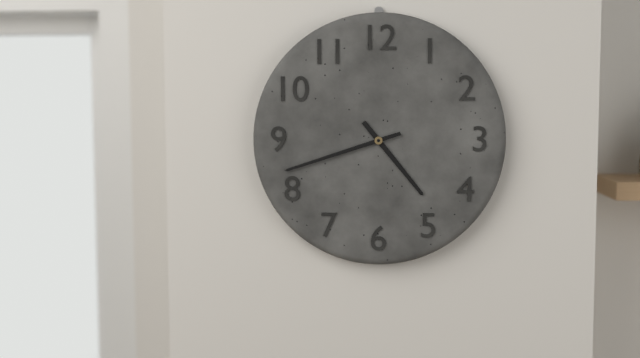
4h42
